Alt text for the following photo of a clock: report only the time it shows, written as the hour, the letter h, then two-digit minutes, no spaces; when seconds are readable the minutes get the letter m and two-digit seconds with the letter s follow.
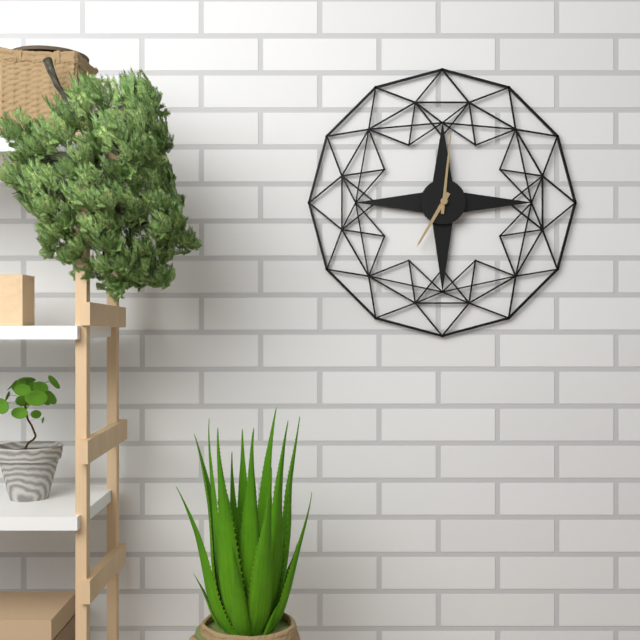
7h01
